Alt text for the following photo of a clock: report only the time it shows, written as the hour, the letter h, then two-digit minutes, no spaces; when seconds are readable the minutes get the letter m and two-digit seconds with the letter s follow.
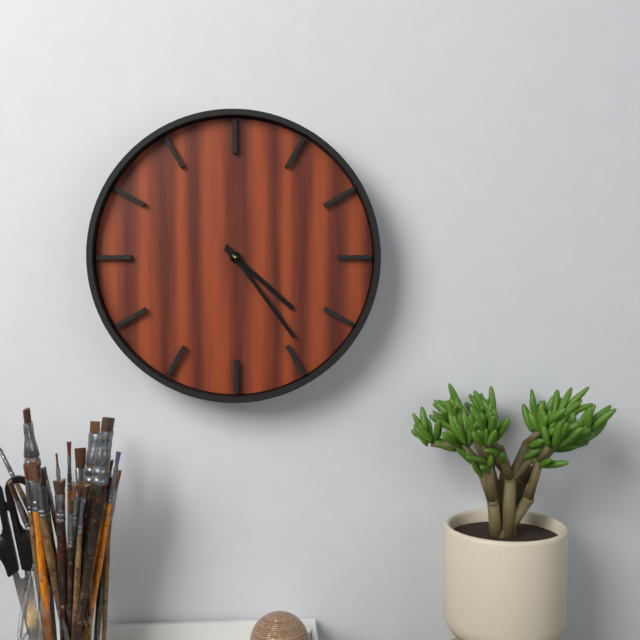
4h24
